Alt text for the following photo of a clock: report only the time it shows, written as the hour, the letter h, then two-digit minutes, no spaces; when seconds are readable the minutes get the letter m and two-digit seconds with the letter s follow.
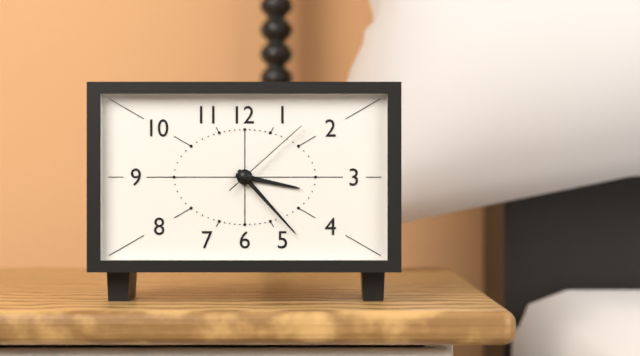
3h23m08s
